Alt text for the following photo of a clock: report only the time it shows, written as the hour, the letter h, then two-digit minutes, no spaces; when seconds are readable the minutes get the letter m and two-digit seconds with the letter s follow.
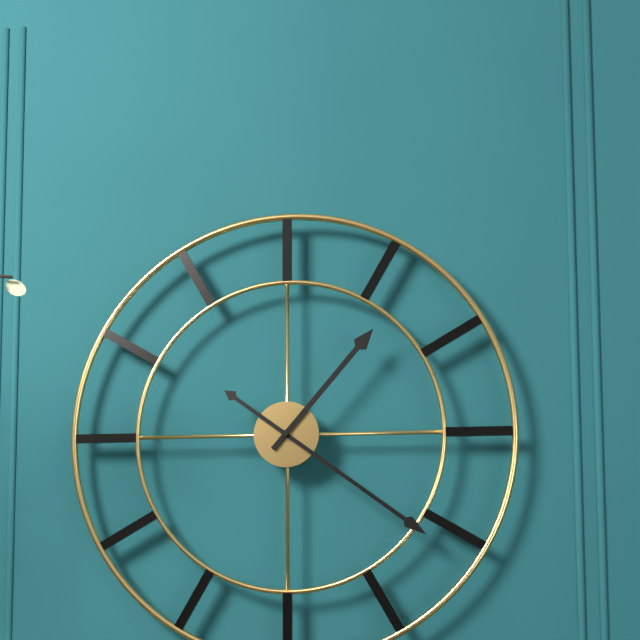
1h21
